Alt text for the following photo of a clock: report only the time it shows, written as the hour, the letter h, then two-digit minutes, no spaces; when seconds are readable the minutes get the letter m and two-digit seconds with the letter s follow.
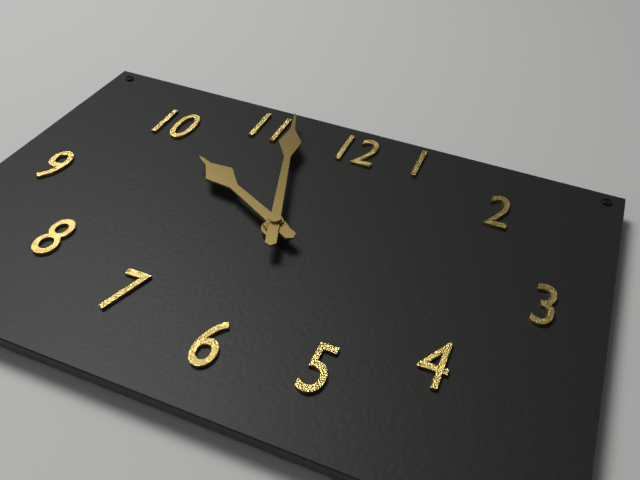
9h57
